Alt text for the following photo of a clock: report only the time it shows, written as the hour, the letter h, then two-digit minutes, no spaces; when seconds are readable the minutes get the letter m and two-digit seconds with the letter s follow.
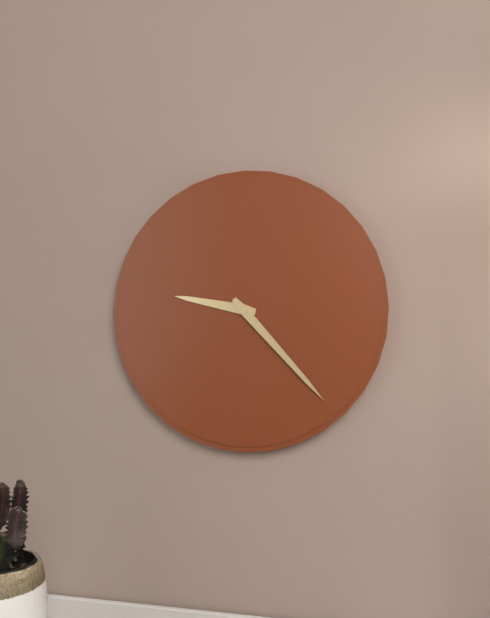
9h23
